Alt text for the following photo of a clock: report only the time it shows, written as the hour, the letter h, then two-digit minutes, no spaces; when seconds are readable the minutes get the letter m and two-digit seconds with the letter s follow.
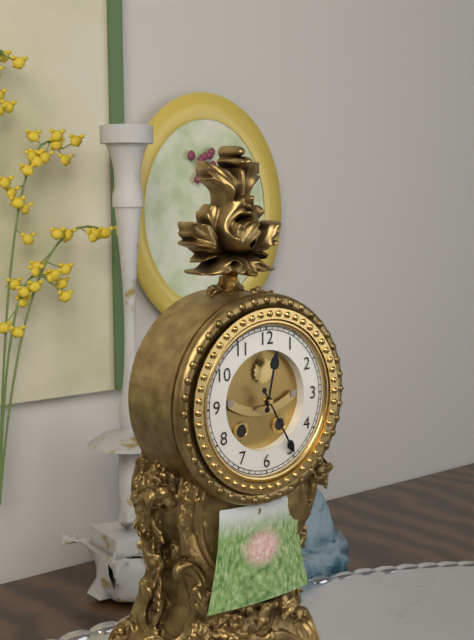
12h25
